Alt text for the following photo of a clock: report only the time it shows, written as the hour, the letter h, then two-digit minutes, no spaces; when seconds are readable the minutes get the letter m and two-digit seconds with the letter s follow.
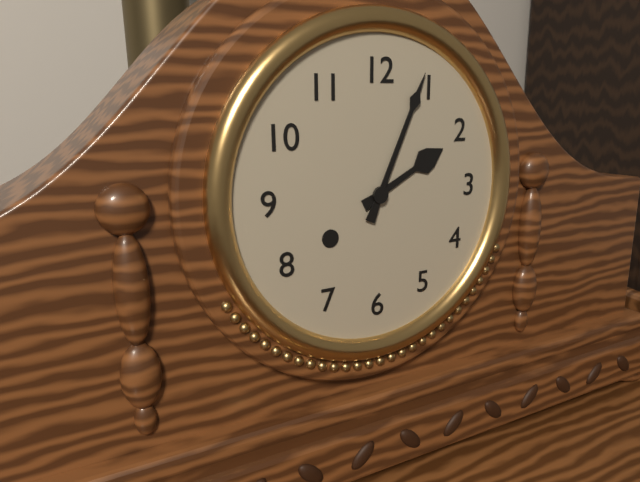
2h04
